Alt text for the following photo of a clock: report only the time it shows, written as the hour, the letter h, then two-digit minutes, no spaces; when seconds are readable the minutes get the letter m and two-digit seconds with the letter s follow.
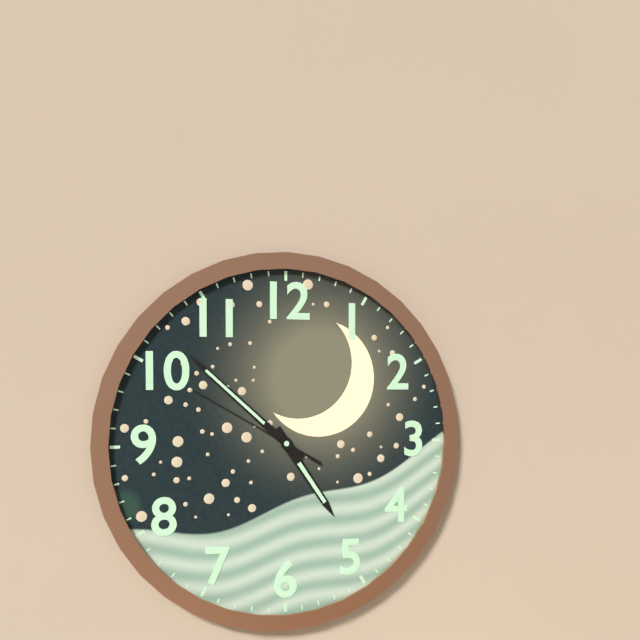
4h52m50s
